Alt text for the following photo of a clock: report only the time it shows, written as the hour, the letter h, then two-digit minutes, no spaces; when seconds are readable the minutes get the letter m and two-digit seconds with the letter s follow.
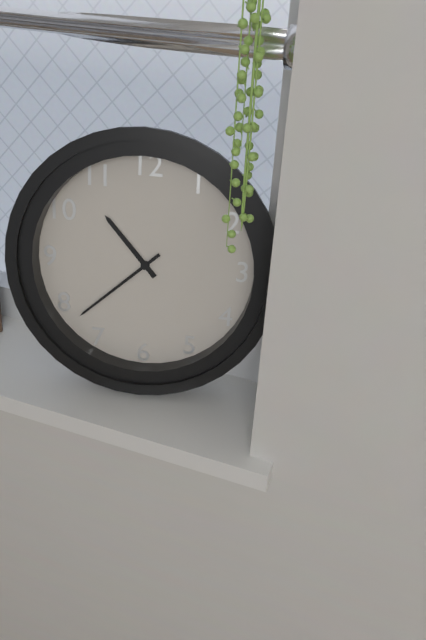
10h38
